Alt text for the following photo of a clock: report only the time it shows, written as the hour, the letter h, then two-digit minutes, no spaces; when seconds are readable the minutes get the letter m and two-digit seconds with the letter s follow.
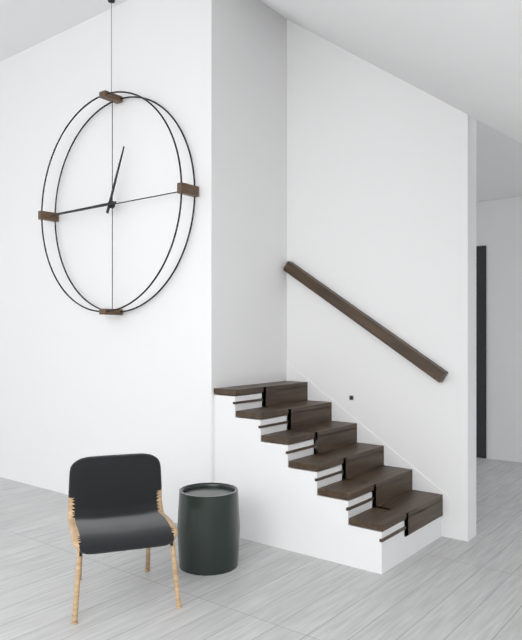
12h45
